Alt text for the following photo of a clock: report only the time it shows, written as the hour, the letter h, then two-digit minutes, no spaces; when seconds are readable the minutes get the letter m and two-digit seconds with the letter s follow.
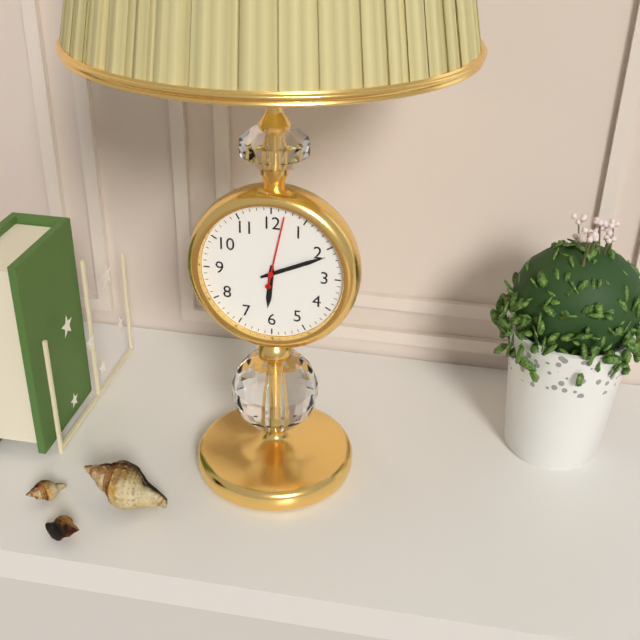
6h11m02s
